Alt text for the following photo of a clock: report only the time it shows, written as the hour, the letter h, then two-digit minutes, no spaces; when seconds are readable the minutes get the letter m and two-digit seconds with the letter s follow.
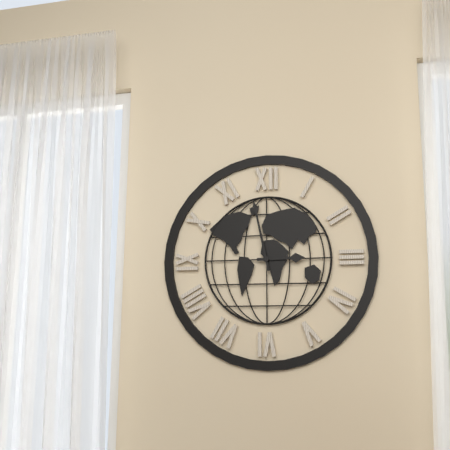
2h58
